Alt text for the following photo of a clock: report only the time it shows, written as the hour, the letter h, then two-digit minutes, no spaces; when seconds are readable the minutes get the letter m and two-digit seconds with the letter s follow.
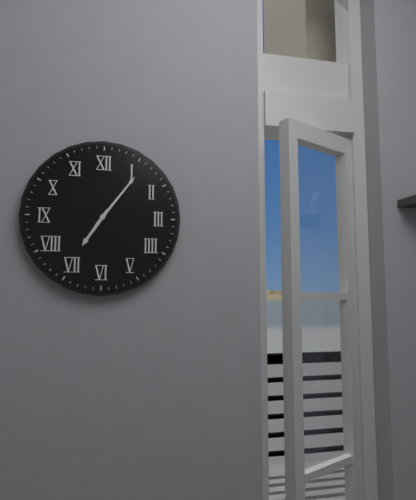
7h06
